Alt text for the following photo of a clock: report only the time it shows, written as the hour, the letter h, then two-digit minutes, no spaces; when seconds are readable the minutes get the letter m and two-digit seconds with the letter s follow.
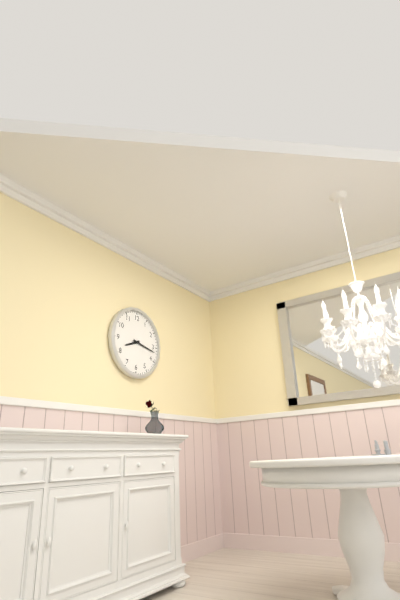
8h17
